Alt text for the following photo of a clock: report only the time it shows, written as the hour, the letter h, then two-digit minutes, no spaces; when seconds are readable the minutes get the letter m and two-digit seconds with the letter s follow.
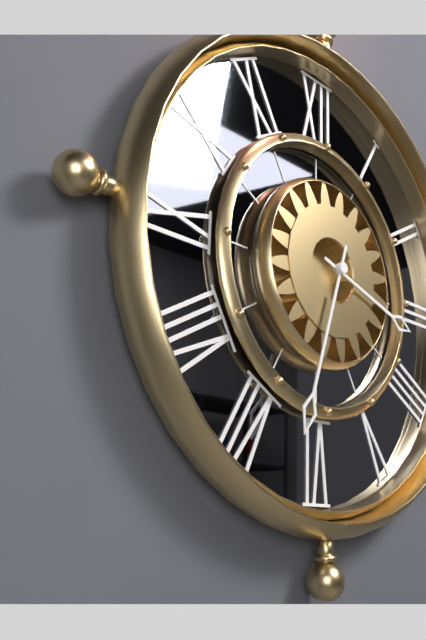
3h33
